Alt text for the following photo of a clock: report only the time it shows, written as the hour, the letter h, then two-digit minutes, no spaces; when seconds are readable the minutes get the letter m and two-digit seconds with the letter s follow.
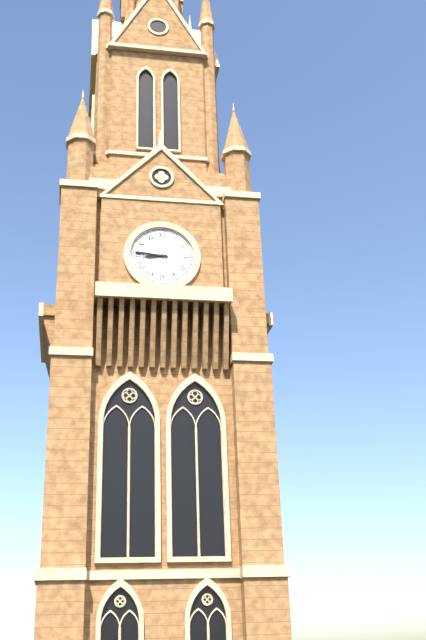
8h46
